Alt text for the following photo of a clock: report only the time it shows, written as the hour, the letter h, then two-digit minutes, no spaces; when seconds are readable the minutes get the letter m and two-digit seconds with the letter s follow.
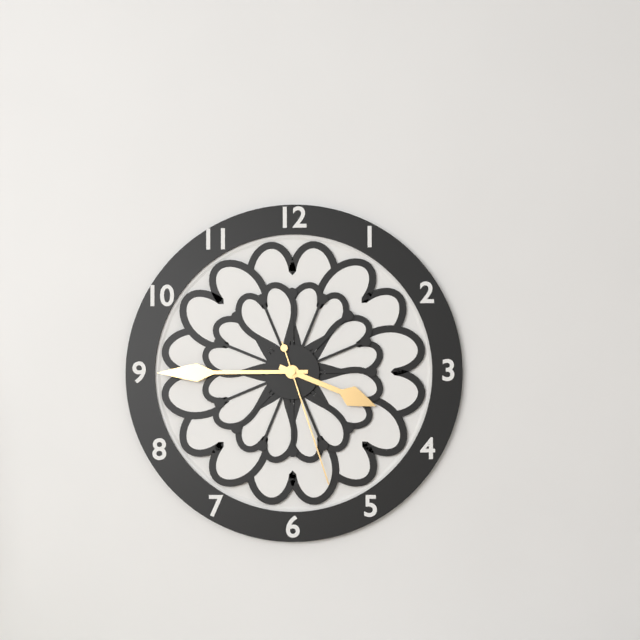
3h45m27s
